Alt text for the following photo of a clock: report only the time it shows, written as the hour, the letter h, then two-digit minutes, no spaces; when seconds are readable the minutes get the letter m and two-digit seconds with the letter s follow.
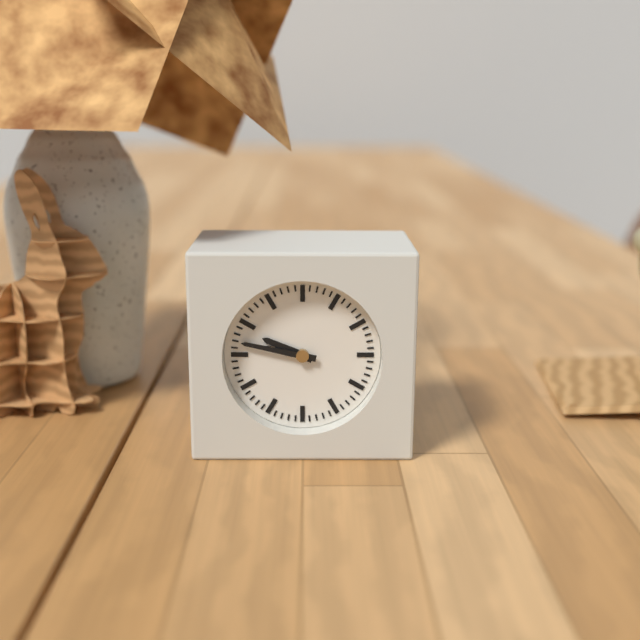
9h47
